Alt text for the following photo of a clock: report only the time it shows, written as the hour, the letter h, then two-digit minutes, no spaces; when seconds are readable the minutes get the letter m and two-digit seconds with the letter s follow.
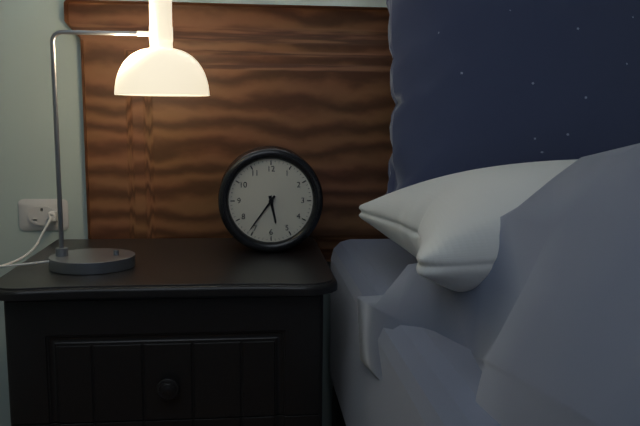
5h36
